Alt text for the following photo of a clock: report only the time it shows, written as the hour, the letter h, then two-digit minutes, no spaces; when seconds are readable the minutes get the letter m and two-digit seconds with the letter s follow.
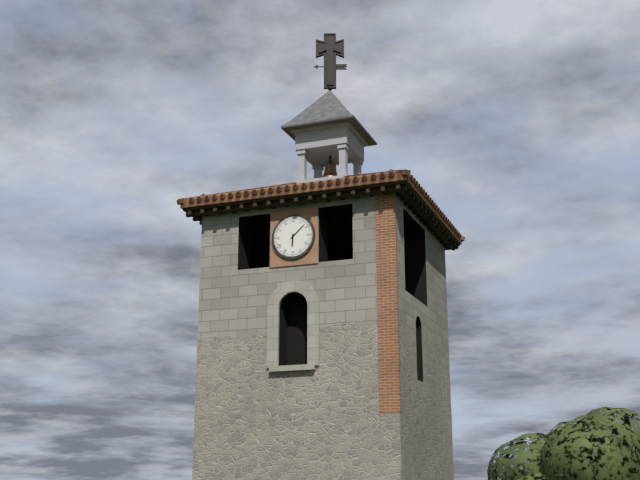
6h08
